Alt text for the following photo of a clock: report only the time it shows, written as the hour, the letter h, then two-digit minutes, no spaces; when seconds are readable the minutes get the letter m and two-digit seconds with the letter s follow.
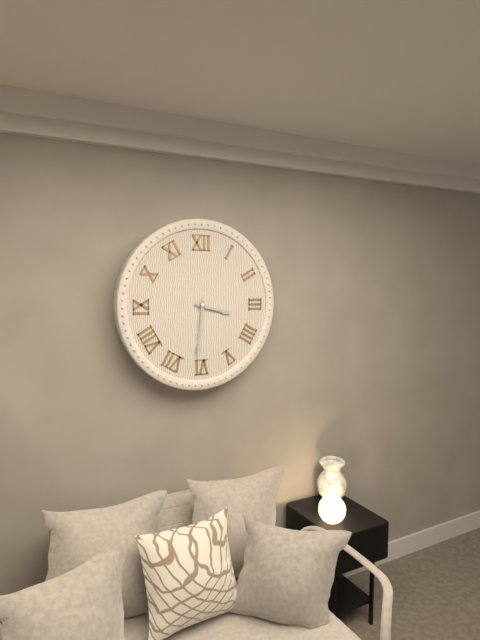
3h31
